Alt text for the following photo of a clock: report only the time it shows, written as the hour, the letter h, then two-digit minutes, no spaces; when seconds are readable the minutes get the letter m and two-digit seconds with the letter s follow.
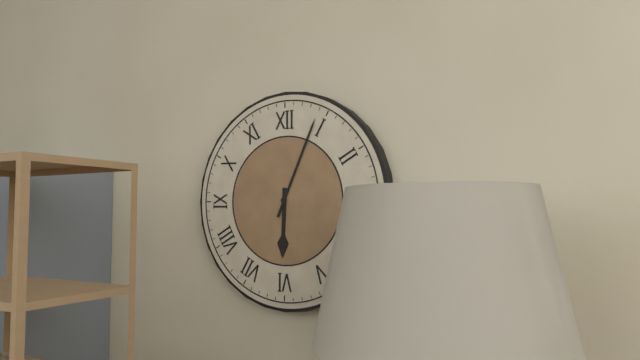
6h04
